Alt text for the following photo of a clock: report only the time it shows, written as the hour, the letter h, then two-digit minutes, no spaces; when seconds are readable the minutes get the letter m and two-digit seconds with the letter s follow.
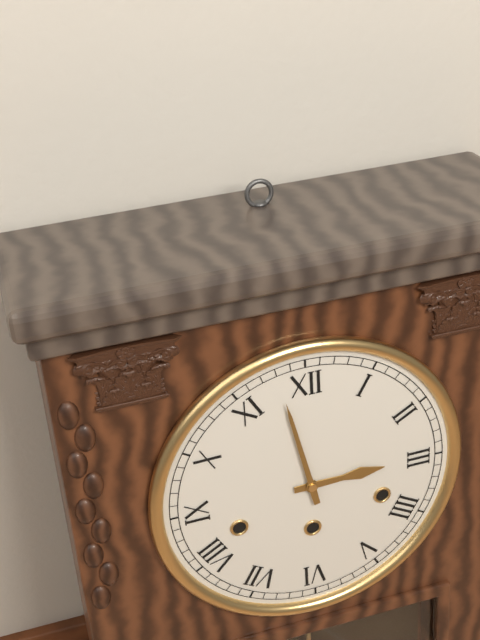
2h58
